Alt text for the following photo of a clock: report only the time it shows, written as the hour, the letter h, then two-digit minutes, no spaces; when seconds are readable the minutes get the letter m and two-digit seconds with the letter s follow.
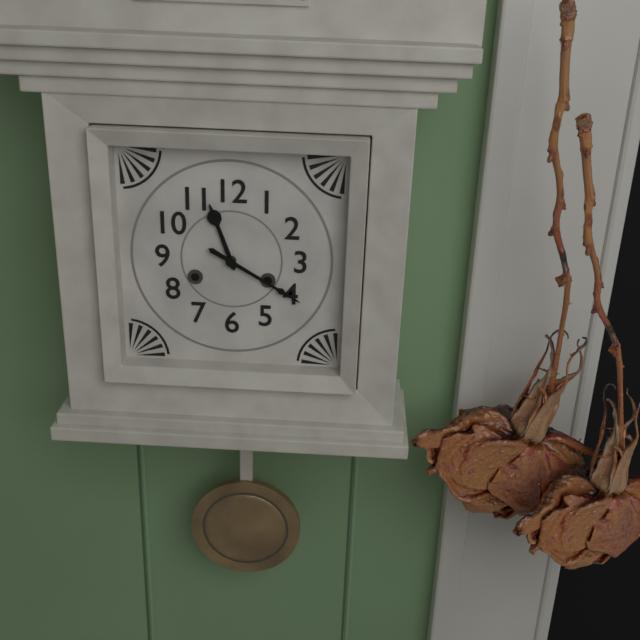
11h20
